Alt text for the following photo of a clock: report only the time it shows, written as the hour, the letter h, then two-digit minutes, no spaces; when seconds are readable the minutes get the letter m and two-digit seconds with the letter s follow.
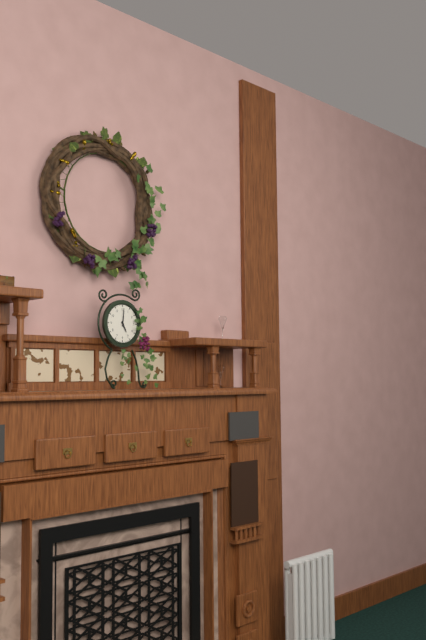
5h01
